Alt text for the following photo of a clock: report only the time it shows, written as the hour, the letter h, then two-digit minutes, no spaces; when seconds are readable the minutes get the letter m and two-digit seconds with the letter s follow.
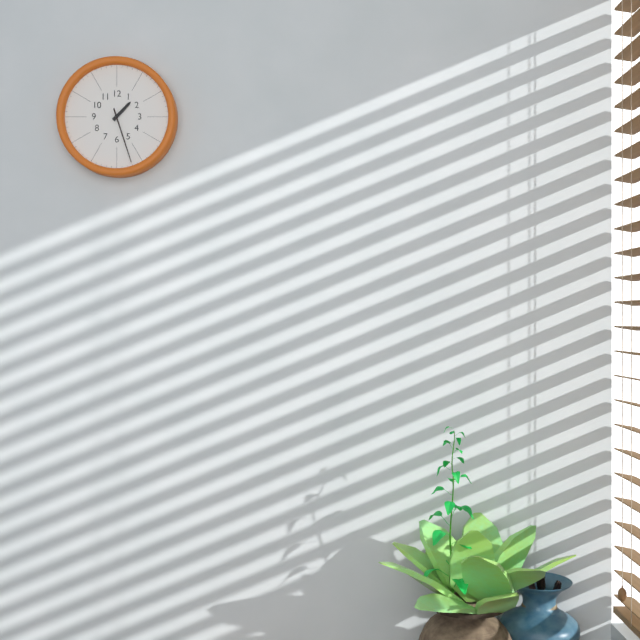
1h27
